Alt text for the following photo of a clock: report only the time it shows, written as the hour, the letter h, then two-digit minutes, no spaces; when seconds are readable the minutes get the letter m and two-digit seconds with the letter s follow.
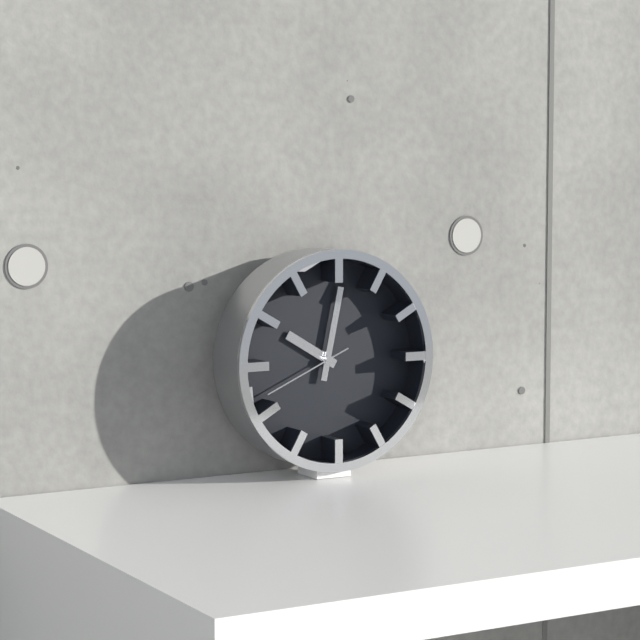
10h02m41s
